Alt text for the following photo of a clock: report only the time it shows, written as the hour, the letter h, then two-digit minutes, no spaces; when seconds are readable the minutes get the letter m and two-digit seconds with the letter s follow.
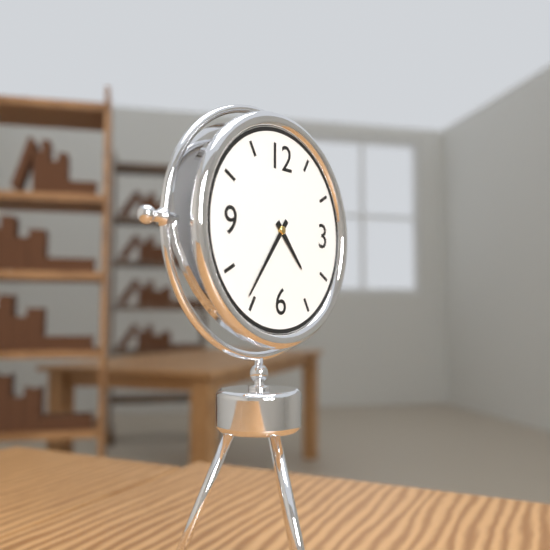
4h36
